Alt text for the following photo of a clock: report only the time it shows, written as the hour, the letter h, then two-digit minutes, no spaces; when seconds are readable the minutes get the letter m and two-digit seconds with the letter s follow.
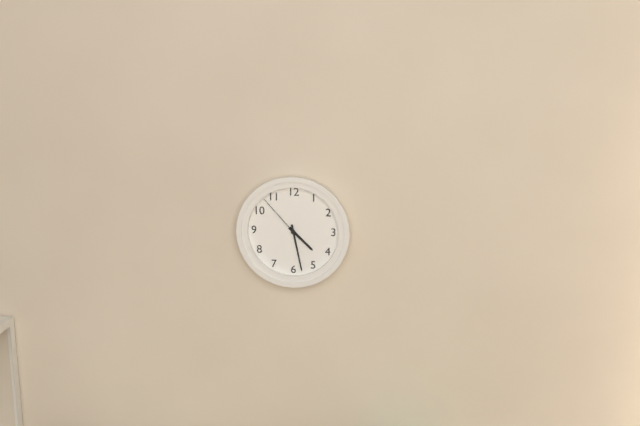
4h28m53s
